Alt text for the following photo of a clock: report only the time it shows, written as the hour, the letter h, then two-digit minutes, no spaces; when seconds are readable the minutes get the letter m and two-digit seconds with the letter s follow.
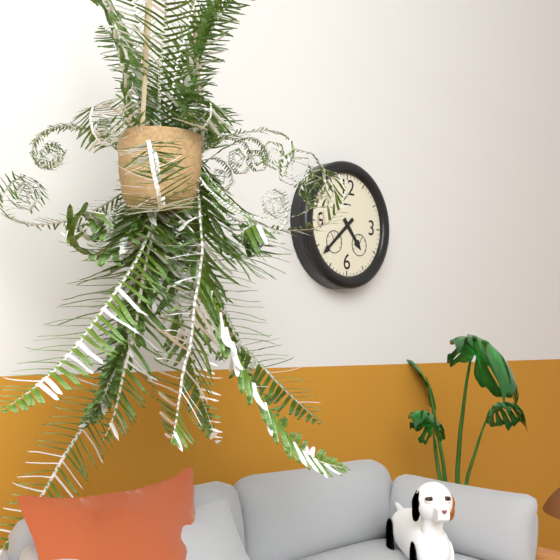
4h38
